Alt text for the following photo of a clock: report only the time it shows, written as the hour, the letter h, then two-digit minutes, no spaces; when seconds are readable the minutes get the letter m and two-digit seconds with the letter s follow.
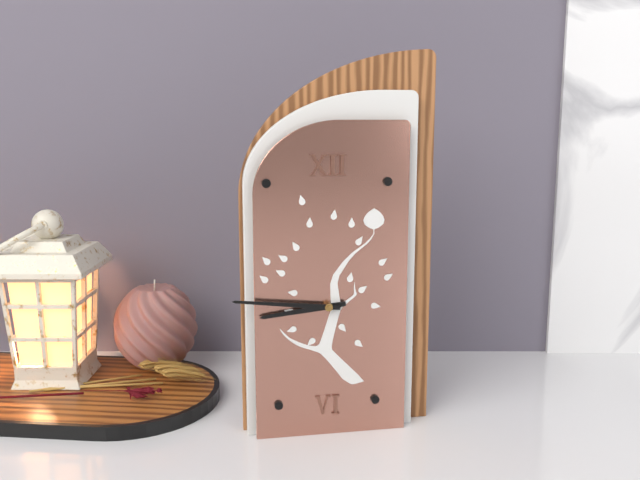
8h46
